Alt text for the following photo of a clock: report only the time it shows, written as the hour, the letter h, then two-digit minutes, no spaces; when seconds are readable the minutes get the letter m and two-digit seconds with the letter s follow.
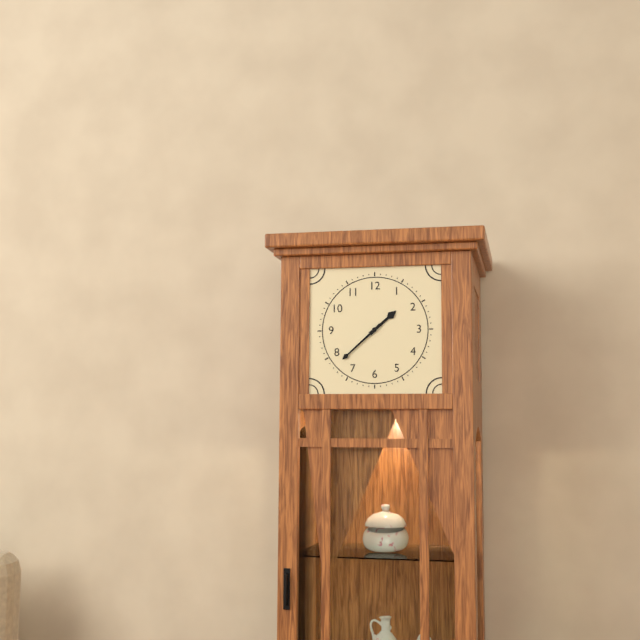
1h38
